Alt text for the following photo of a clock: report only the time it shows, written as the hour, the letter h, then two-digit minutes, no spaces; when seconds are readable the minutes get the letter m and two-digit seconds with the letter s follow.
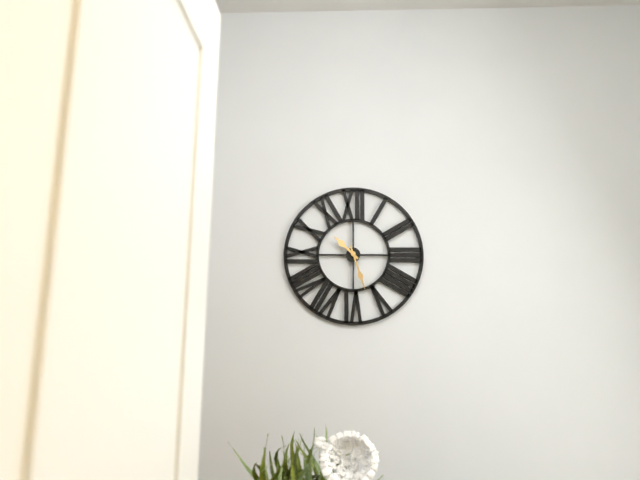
10h27
